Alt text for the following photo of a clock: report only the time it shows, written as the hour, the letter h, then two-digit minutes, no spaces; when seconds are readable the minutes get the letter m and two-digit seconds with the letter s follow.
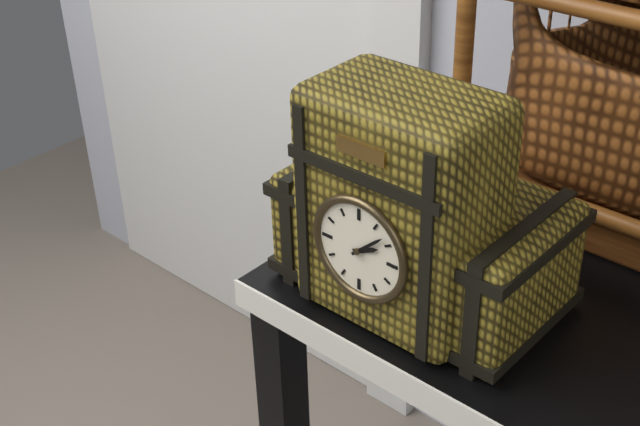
2h08
